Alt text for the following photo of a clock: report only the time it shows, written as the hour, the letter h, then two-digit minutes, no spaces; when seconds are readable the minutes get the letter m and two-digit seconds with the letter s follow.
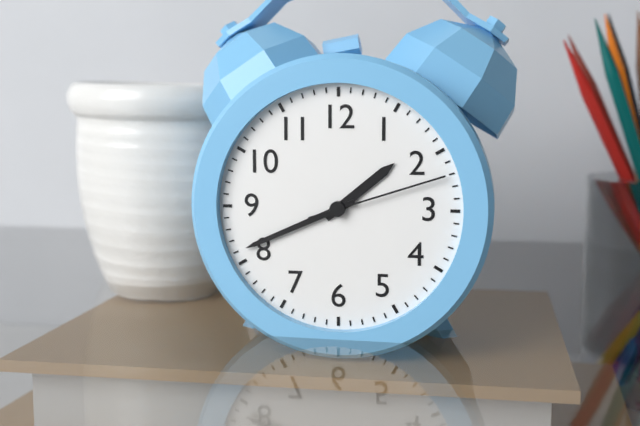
1h41m12s
